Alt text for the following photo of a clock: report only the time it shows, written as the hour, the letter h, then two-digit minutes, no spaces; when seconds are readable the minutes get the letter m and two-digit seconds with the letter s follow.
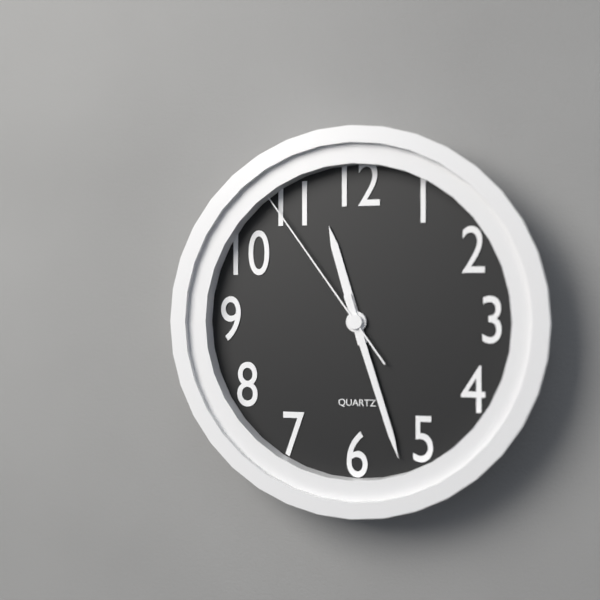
11h27m54s
